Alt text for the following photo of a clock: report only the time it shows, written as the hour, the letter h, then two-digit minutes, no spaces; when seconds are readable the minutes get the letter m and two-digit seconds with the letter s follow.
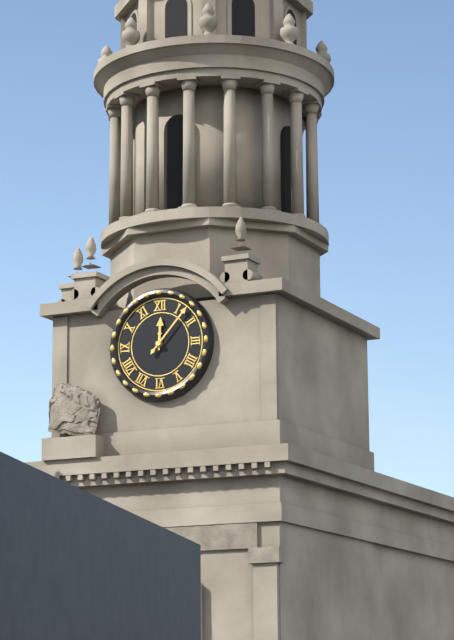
12h07
